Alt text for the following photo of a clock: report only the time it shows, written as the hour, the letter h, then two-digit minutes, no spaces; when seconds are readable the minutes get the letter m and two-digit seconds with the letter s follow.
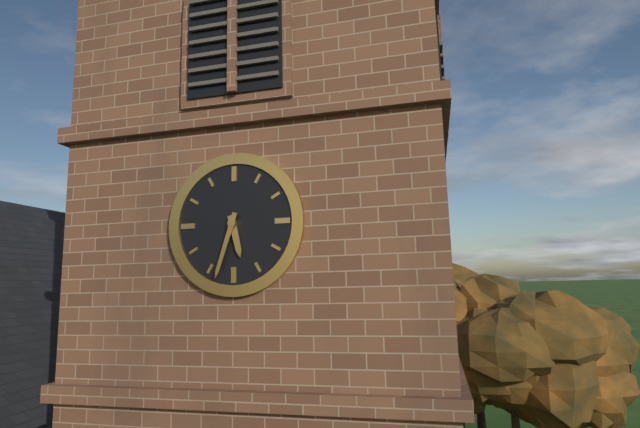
5h33
